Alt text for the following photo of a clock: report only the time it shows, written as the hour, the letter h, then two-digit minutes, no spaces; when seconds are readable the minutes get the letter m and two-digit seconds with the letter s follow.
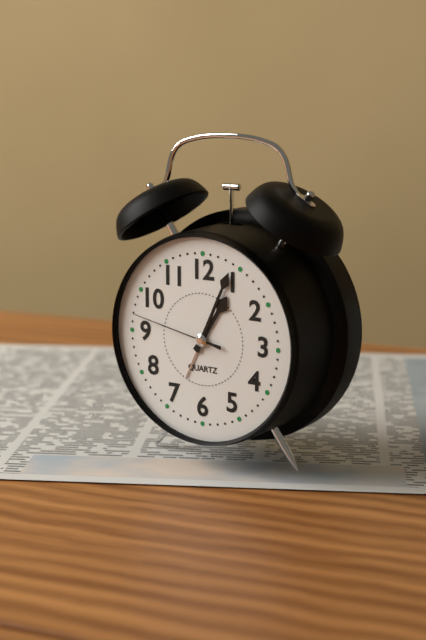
1h04m47s
